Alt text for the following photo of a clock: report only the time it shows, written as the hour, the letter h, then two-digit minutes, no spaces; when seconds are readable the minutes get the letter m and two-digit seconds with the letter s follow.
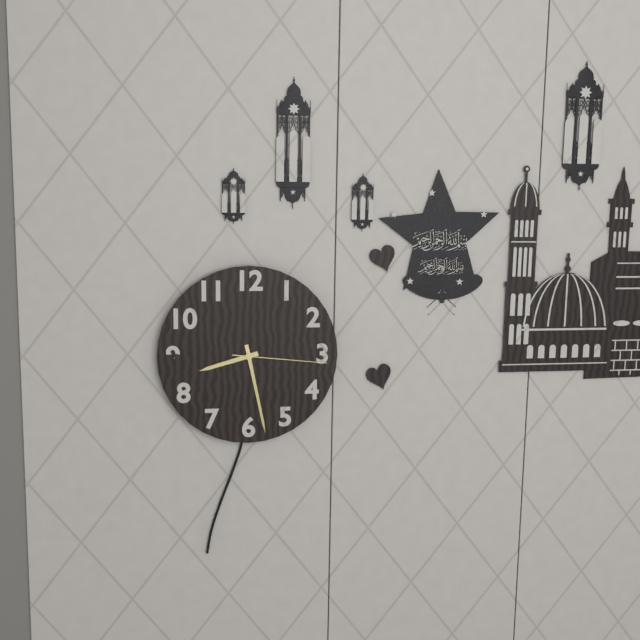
8h28m16s
